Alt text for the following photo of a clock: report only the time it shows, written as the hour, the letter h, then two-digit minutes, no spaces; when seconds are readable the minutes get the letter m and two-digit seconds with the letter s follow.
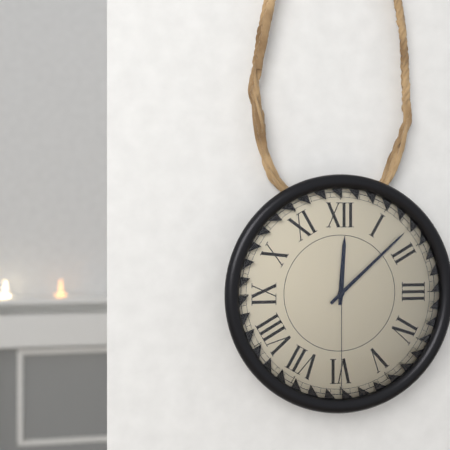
12h08m30s
